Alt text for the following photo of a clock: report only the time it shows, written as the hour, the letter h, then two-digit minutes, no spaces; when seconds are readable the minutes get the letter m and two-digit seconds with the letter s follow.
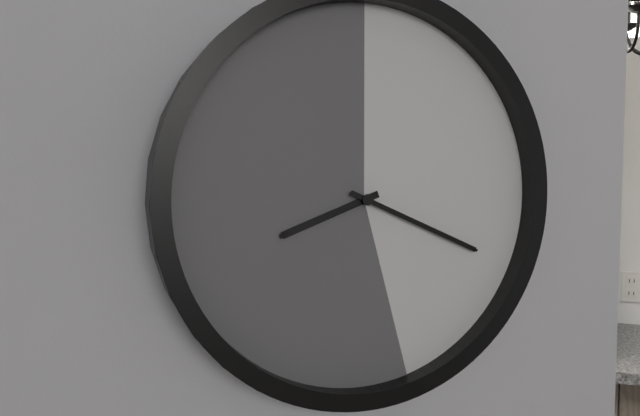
8h19
